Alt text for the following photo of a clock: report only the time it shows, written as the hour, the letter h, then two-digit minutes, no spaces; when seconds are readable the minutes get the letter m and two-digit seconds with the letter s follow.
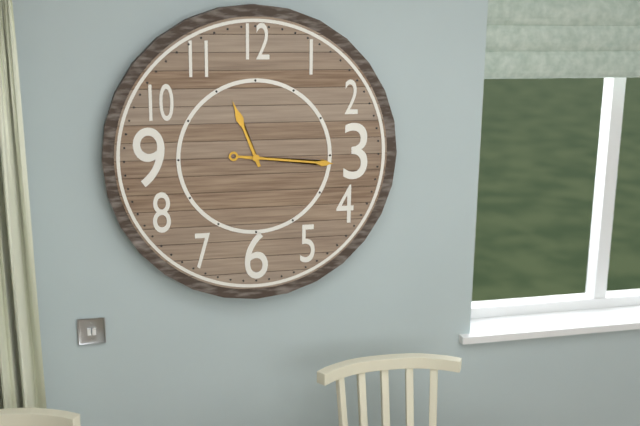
11h16
